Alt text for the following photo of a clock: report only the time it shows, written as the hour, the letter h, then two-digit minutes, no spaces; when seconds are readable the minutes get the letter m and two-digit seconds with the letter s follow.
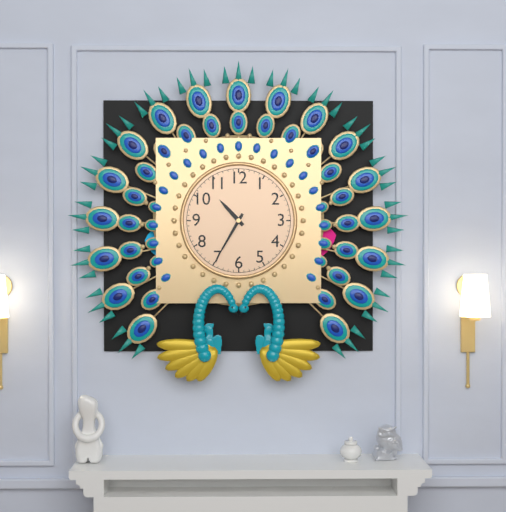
10h35
